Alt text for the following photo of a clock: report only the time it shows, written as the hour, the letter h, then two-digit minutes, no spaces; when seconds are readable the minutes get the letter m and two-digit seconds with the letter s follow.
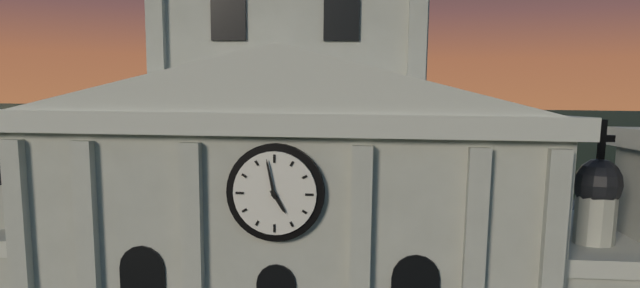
4h58
